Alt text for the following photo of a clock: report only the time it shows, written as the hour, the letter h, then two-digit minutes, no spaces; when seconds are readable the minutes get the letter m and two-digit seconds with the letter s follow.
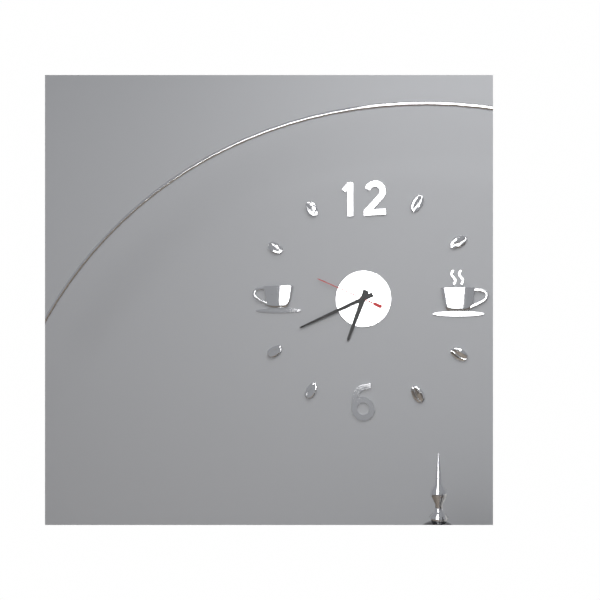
6h41m49s
